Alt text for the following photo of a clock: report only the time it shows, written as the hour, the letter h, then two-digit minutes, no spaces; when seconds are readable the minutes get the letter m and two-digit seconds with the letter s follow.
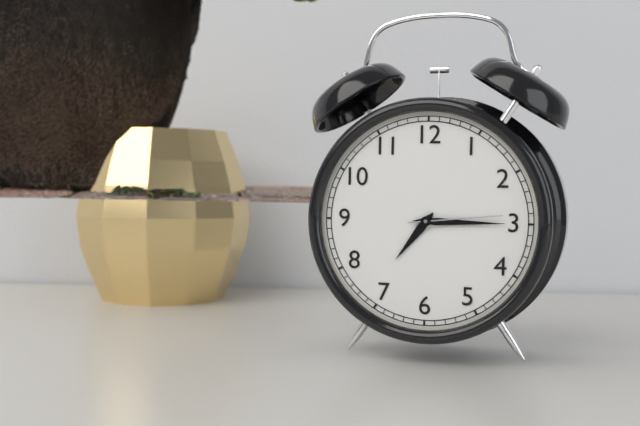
7h15m14s
